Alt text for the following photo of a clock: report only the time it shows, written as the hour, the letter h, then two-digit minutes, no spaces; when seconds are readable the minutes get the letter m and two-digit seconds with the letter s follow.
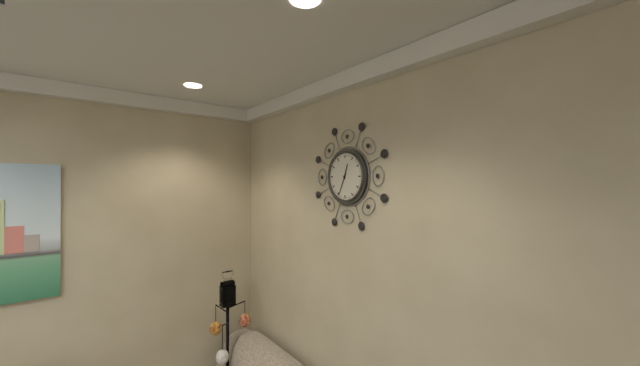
12h34
